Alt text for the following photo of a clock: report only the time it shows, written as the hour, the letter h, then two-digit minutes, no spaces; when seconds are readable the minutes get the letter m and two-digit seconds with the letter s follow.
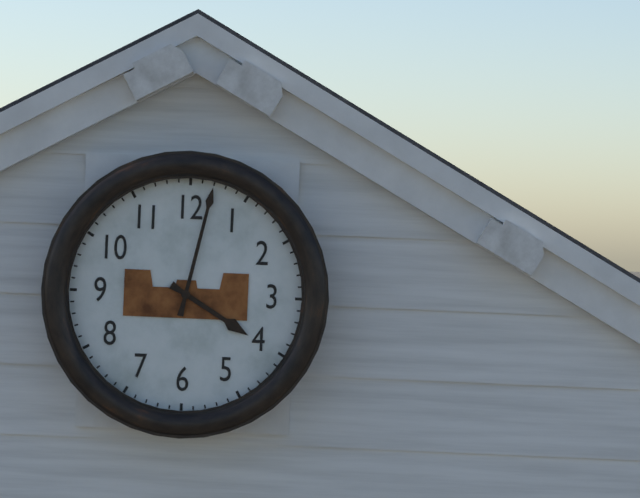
4h02
